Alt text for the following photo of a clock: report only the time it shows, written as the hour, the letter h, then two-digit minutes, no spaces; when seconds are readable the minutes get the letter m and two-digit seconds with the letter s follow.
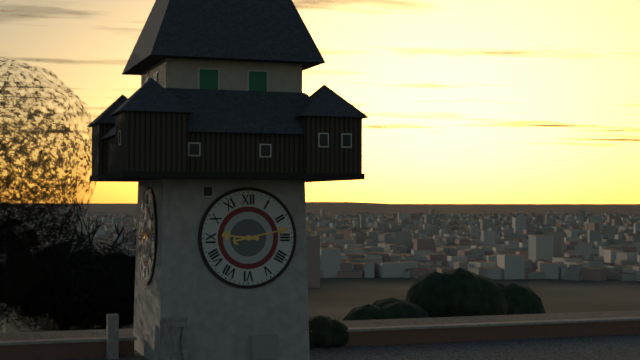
9h13
